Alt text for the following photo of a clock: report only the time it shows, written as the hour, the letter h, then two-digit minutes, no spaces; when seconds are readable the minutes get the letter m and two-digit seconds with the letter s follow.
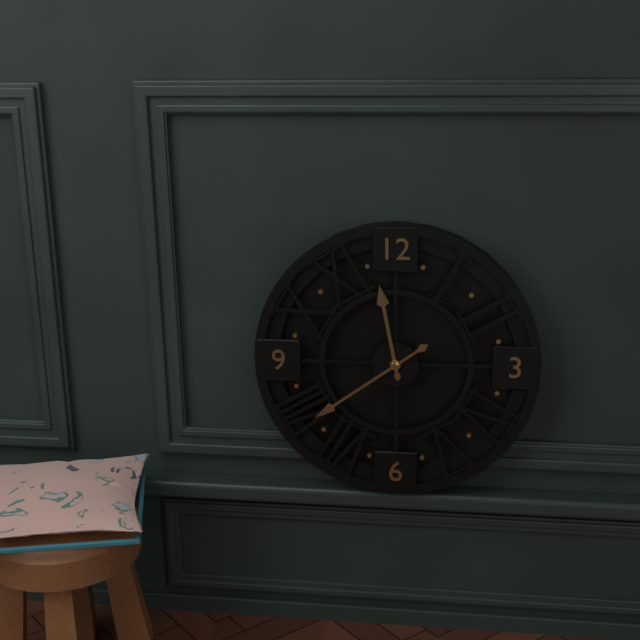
11h39
